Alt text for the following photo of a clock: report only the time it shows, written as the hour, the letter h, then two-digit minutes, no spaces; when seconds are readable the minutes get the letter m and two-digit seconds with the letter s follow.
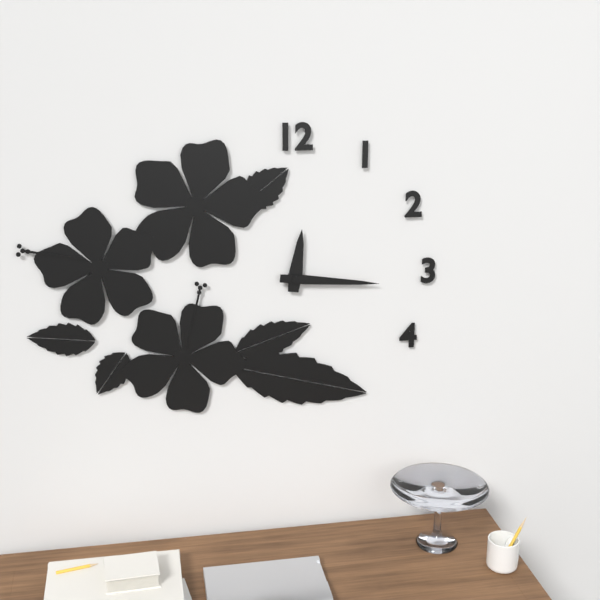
12h16
